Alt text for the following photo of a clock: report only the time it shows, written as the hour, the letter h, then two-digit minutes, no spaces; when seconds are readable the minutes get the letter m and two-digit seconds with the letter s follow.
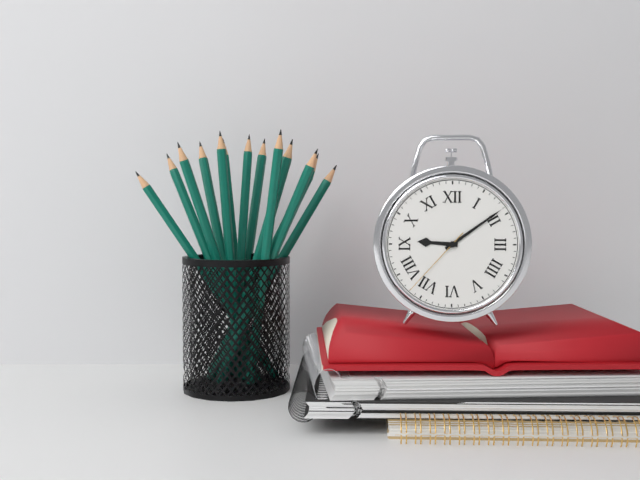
9h09m37s
